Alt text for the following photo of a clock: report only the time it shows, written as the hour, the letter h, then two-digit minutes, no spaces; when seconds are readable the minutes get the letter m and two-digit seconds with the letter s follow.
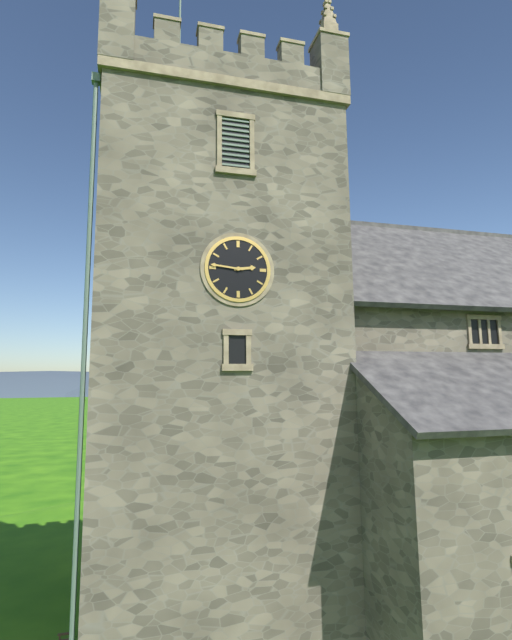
2h46
